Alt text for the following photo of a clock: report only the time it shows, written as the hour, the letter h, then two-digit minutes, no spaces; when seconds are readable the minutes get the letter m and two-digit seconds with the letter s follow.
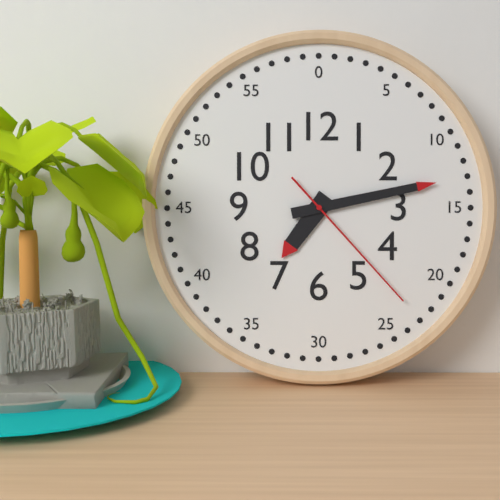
7h13m23s
